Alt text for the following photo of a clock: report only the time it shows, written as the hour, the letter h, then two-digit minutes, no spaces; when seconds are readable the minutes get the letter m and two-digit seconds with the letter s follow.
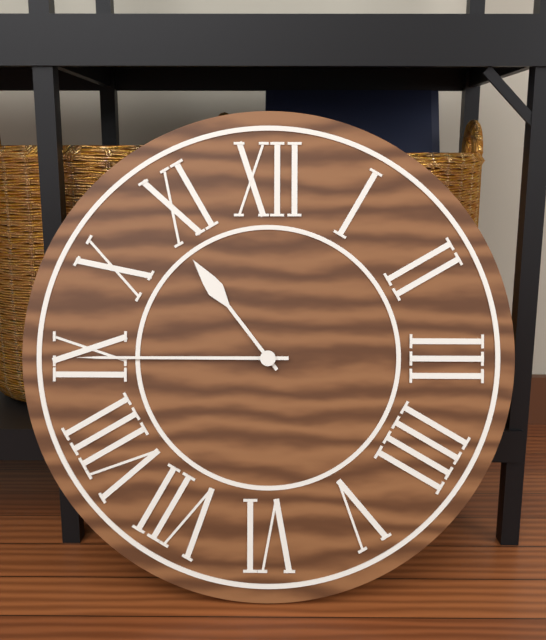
10h45
